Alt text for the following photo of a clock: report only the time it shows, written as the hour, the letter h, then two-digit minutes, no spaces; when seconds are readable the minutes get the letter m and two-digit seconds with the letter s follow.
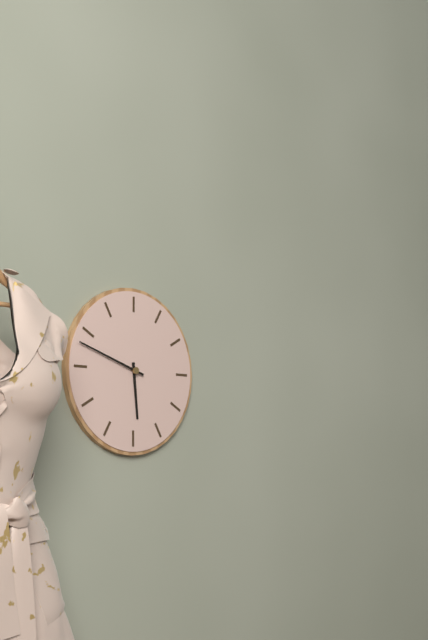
5h48
